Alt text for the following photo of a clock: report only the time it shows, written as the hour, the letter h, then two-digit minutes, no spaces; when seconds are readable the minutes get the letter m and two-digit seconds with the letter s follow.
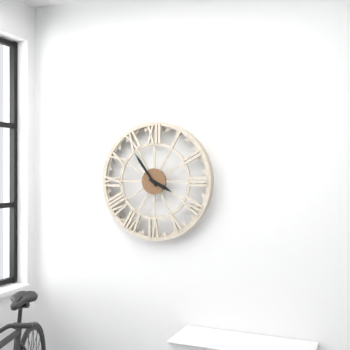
3h54
